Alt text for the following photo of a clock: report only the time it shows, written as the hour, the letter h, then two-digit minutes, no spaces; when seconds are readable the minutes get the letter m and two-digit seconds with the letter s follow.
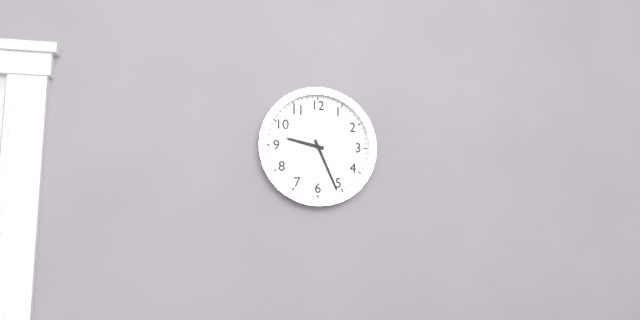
9h26
